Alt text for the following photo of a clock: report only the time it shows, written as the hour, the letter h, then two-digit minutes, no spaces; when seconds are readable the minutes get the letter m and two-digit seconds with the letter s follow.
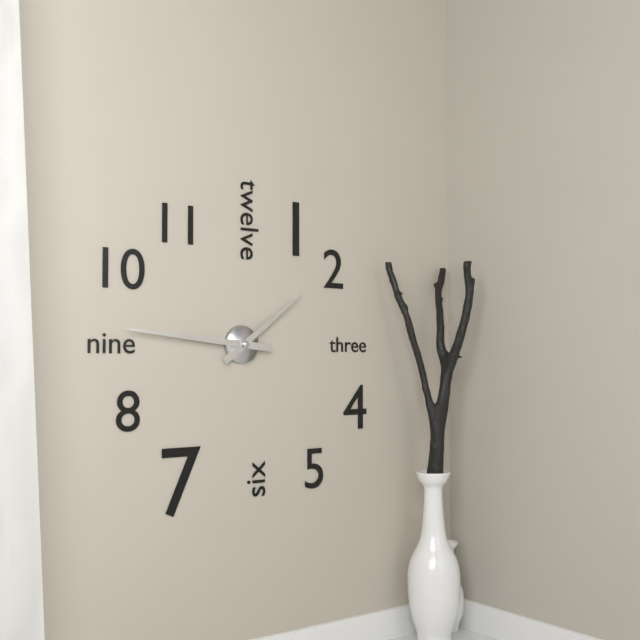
1h46
